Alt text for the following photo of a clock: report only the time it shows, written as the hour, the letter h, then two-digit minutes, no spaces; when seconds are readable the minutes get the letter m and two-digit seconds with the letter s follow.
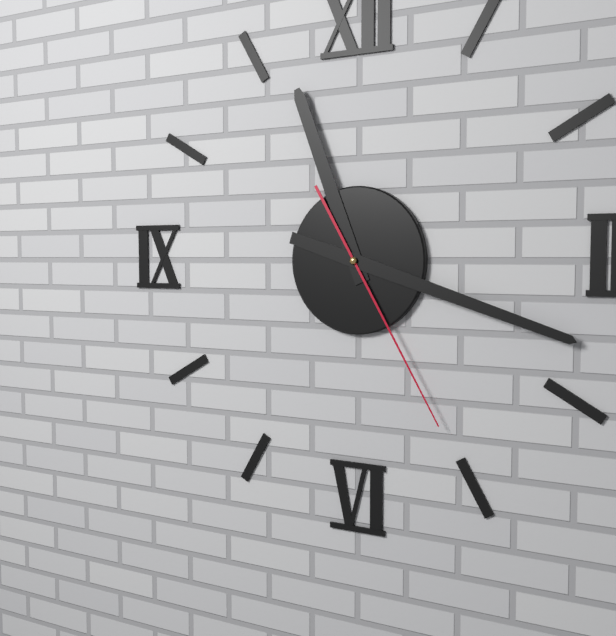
11h18m25s
